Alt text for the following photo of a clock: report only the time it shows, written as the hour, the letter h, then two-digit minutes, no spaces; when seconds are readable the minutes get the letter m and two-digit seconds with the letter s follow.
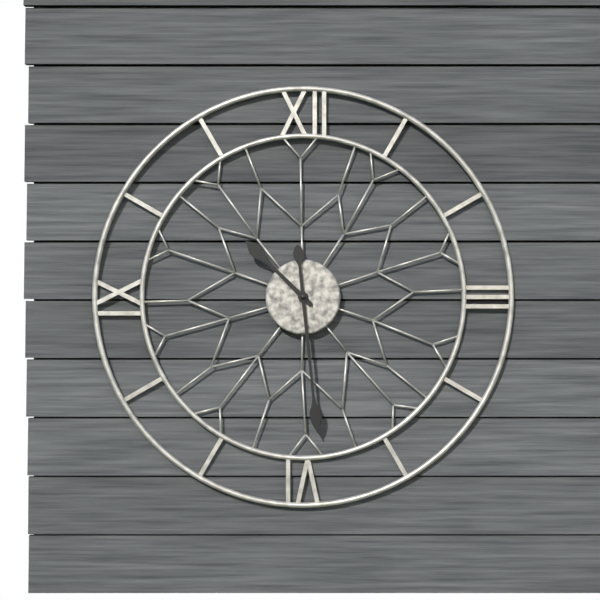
10h29
